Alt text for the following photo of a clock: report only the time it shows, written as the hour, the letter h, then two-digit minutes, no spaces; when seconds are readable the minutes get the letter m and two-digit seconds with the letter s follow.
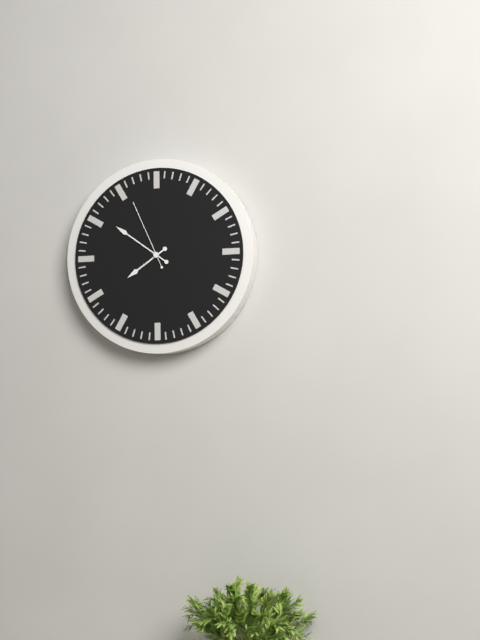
7h51m56s
